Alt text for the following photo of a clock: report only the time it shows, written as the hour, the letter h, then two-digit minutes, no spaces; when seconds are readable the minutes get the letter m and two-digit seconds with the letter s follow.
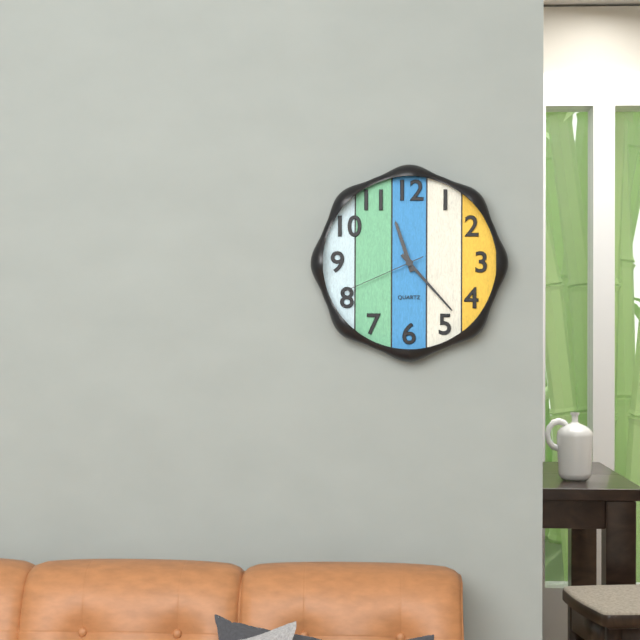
11h23m41s
